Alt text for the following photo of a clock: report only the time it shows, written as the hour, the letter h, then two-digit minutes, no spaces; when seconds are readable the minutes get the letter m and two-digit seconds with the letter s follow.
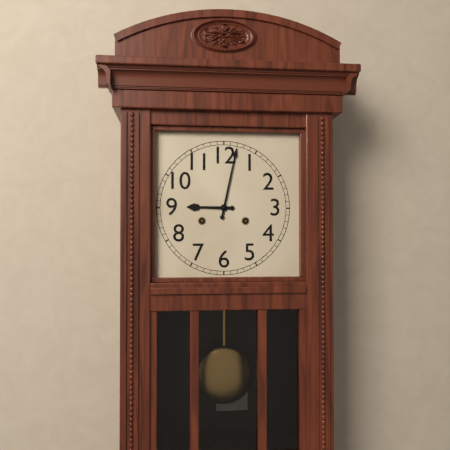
9h02
